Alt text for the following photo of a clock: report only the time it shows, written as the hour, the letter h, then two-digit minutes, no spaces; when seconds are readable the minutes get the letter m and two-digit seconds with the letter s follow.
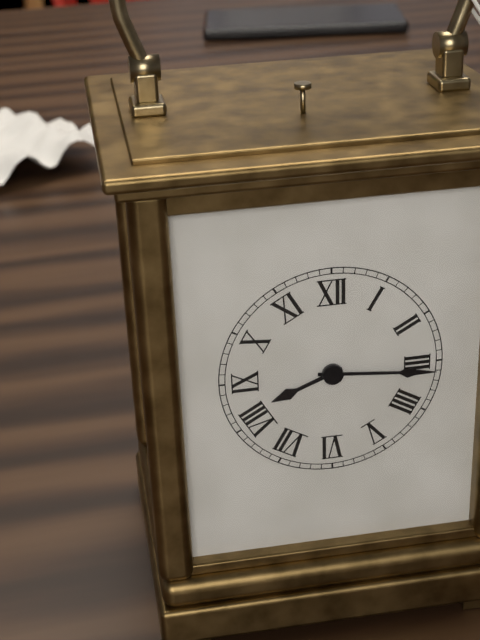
8h16
